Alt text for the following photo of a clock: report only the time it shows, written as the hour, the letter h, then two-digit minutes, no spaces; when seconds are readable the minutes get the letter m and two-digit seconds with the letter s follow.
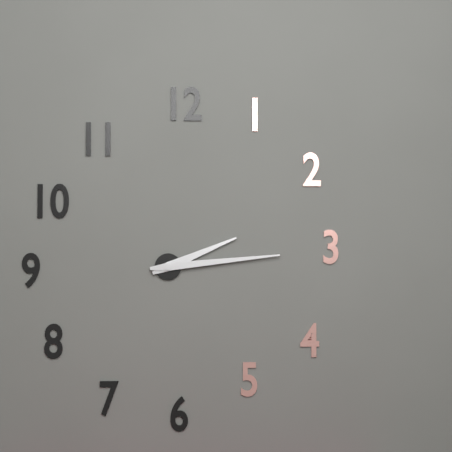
2h14
